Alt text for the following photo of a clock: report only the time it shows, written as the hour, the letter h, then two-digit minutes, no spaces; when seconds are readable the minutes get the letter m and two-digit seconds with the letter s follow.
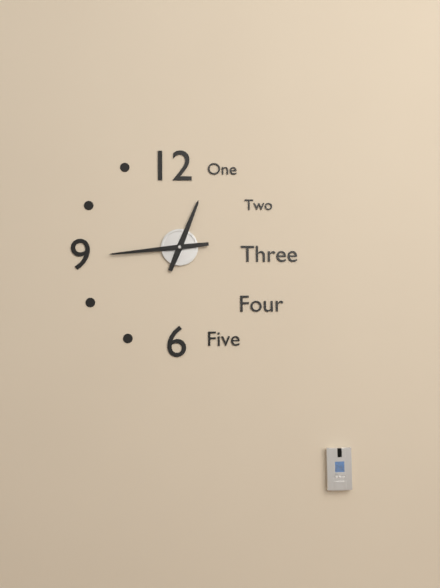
12h44
